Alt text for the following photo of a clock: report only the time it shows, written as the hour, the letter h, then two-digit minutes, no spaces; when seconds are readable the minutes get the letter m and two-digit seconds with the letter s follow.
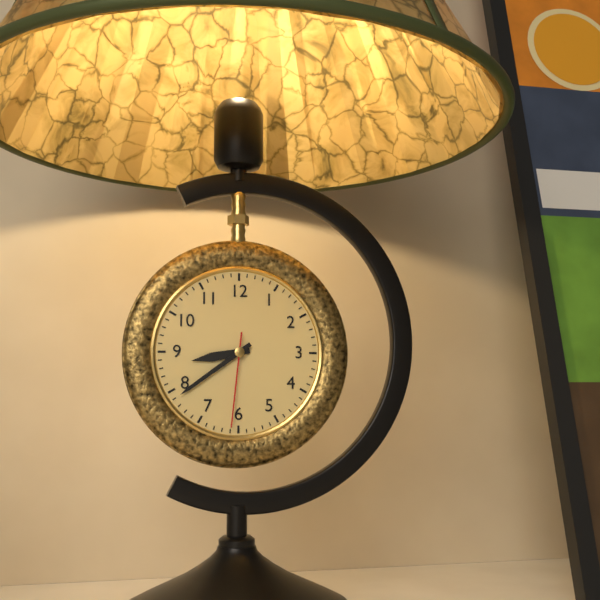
8h39m31s
